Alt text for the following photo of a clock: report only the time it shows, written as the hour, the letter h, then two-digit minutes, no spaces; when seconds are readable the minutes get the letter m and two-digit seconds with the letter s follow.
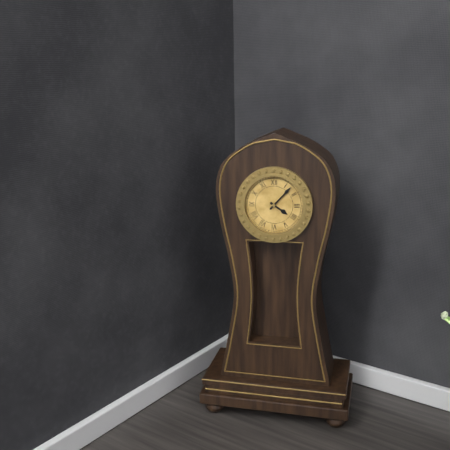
4h07
